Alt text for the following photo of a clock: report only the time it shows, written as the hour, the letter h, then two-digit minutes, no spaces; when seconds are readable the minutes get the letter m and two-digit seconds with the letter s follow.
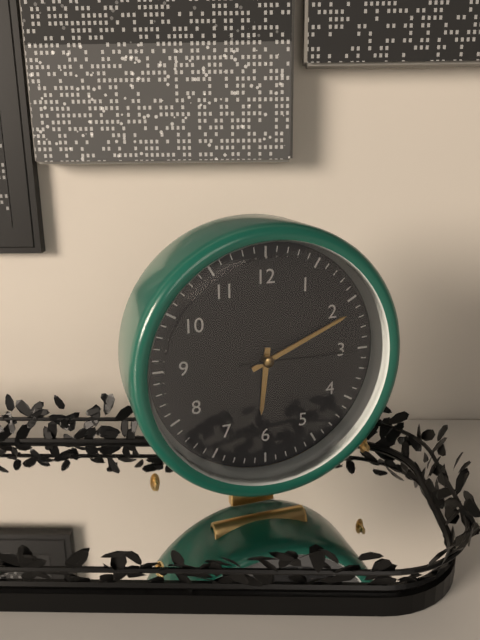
6h11m15s
